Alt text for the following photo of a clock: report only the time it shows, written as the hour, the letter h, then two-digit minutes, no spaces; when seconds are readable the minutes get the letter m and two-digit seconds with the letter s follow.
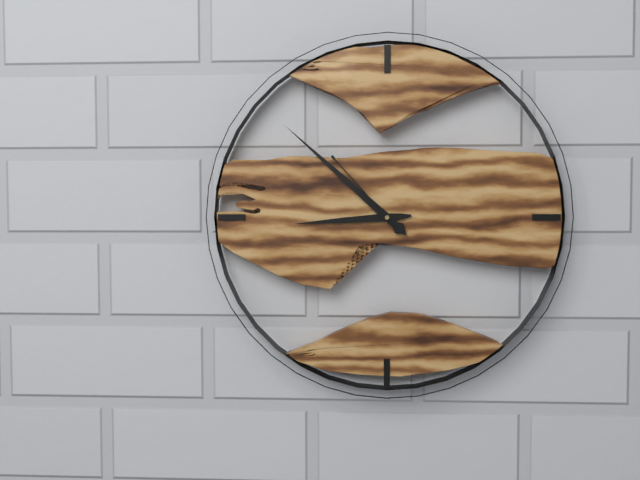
8h52m53s
